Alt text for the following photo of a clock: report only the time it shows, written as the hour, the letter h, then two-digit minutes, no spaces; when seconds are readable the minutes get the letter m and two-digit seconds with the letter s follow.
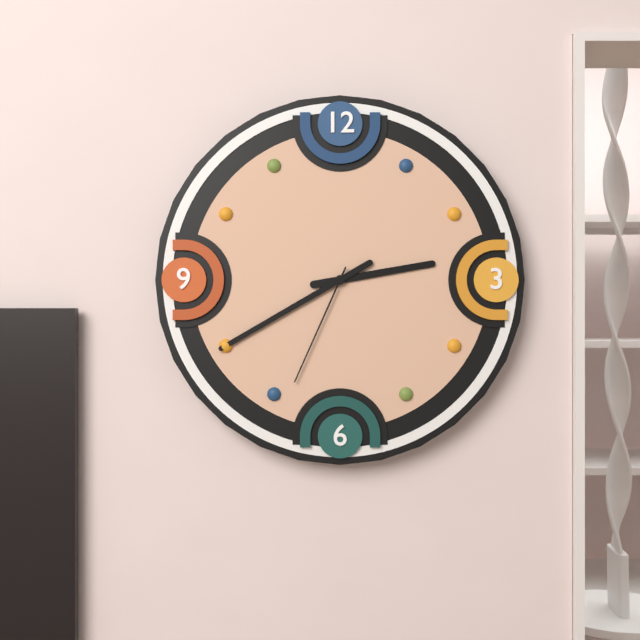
2h40m34s
